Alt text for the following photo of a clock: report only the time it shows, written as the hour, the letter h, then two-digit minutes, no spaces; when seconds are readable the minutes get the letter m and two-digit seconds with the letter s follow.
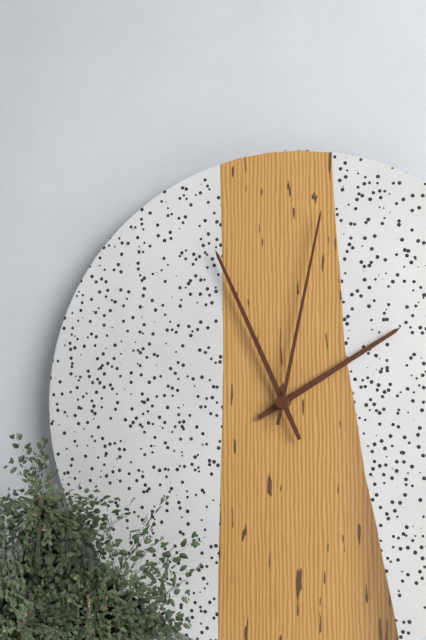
1h56m02s
